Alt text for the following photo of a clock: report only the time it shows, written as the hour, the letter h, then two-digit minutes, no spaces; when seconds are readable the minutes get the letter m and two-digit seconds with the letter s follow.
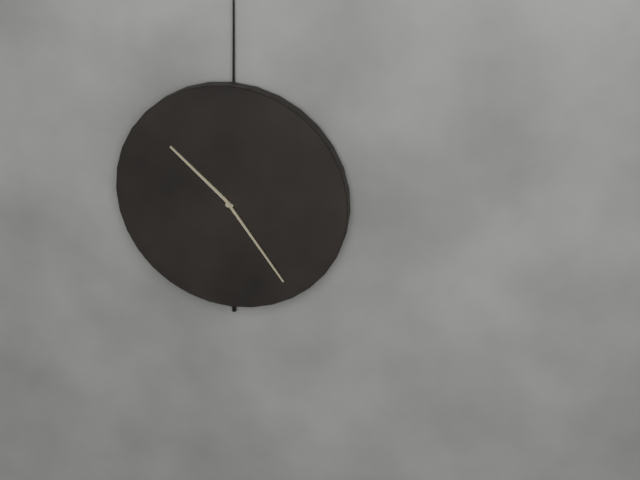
10h24
